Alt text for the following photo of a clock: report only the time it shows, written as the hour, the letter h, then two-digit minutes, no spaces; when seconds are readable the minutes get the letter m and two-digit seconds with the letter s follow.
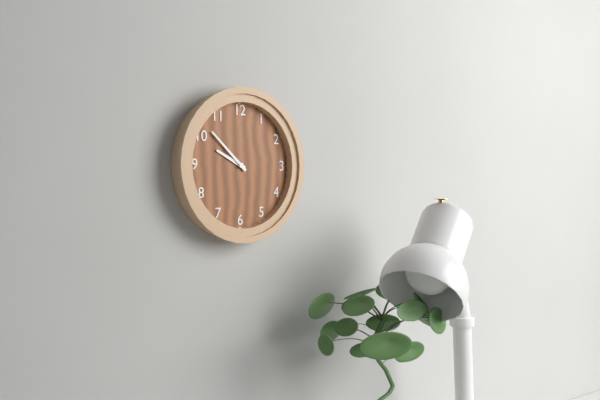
9h52
